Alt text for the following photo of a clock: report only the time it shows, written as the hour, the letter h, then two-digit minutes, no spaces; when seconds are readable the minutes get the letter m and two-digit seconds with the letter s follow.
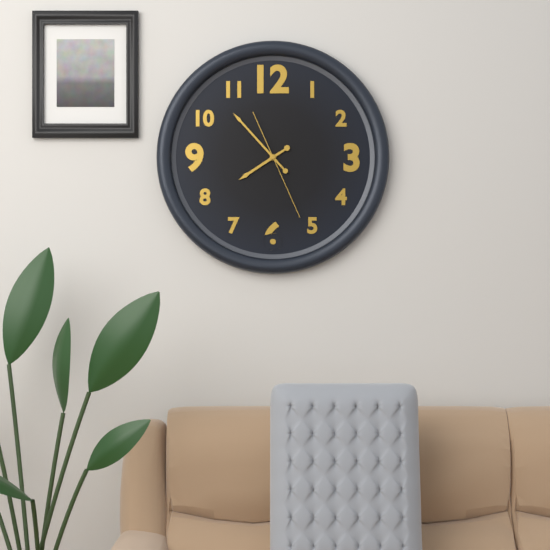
7h53m26s
